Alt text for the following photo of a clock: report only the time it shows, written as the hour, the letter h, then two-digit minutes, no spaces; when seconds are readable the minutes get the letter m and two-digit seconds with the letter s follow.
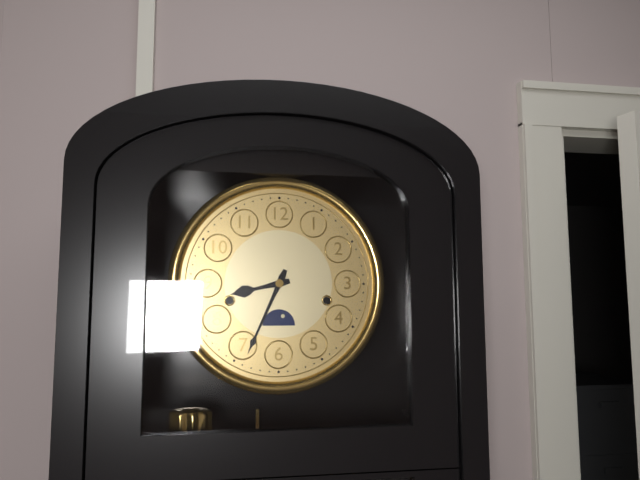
8h34
